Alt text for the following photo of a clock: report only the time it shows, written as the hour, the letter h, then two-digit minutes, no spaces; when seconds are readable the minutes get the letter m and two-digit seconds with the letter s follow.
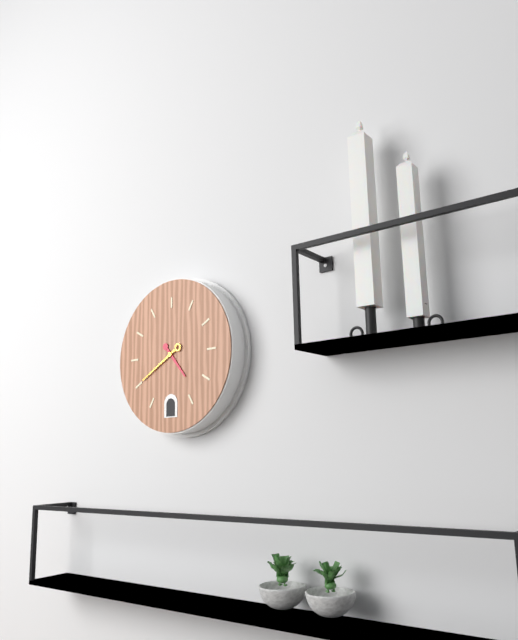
4h40
